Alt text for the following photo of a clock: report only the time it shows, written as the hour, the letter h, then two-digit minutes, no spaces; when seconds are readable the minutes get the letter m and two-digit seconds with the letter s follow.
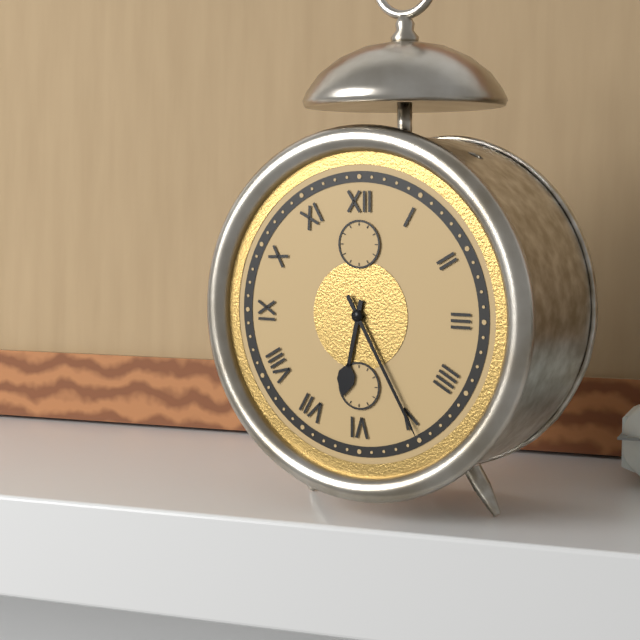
6h25
